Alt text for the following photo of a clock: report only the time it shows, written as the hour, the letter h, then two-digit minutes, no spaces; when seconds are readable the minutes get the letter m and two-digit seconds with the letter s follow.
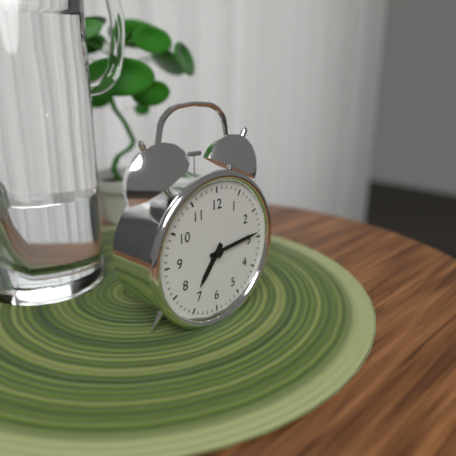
7h14
